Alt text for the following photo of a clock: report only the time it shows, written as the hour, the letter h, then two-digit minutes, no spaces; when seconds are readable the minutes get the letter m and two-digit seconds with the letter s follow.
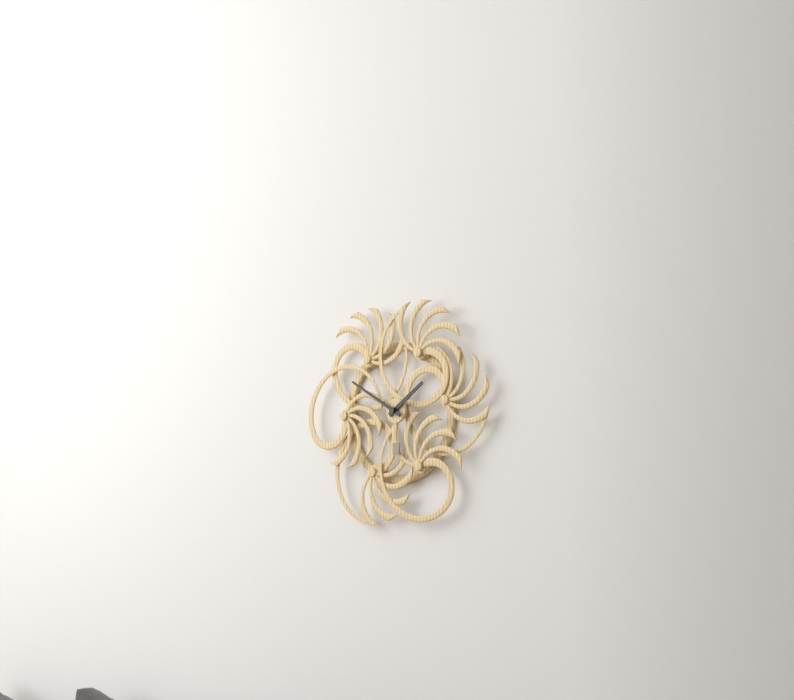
1h50
